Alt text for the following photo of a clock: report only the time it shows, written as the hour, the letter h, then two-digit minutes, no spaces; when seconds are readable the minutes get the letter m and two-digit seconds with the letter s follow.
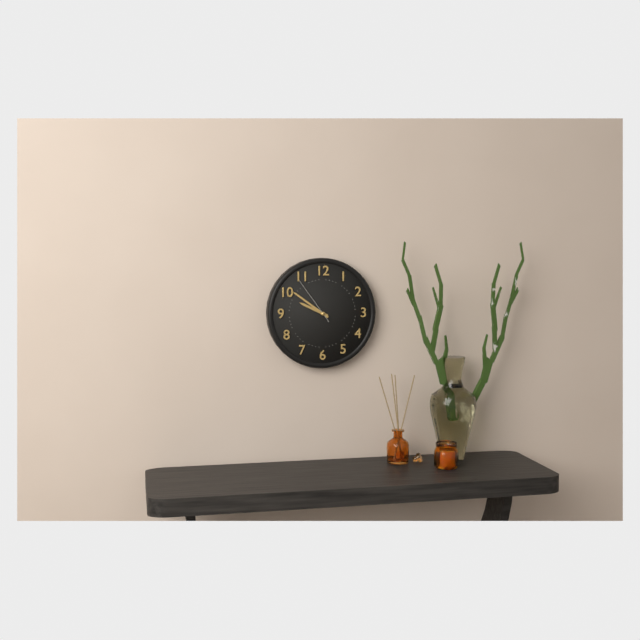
9h51
